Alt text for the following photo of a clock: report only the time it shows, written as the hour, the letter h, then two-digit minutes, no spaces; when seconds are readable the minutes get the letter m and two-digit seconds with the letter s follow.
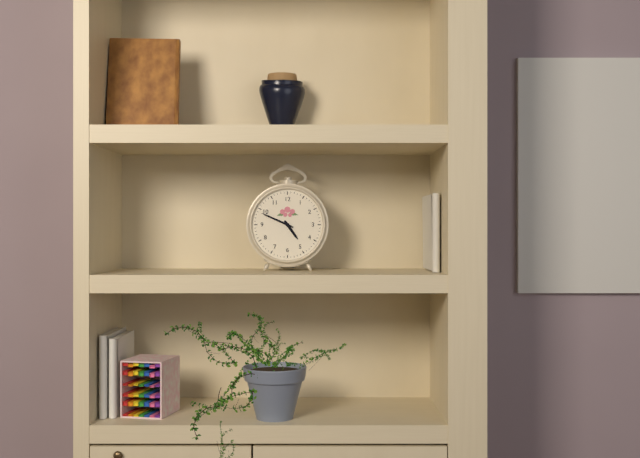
4h49
